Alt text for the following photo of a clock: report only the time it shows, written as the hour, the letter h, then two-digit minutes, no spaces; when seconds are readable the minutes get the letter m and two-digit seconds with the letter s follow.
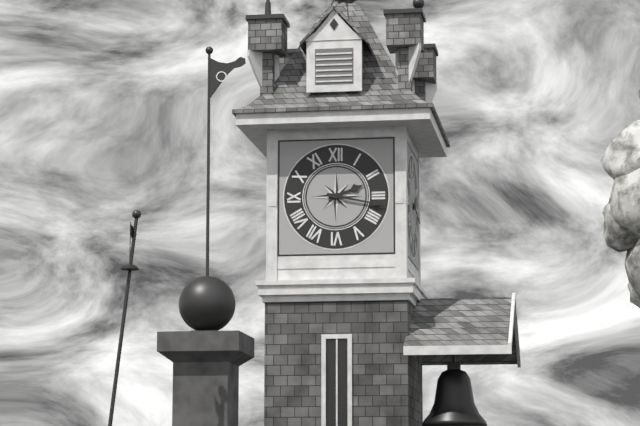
2h17
